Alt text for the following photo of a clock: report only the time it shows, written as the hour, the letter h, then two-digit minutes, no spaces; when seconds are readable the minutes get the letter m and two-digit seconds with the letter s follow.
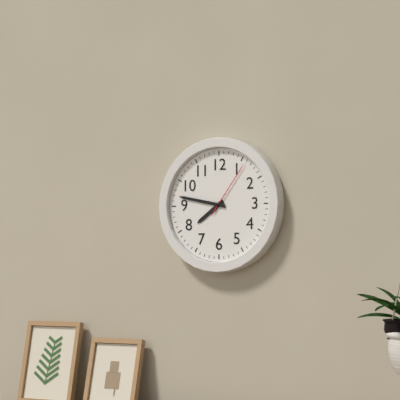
7h47m06s
